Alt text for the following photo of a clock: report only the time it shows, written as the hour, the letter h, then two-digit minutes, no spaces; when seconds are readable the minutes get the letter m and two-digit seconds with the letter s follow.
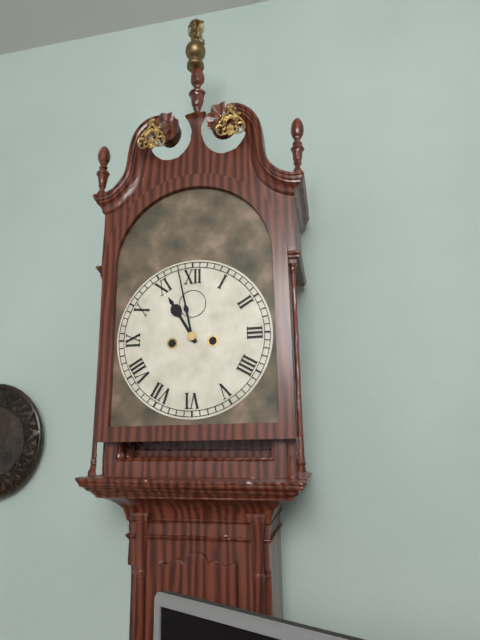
10h58
